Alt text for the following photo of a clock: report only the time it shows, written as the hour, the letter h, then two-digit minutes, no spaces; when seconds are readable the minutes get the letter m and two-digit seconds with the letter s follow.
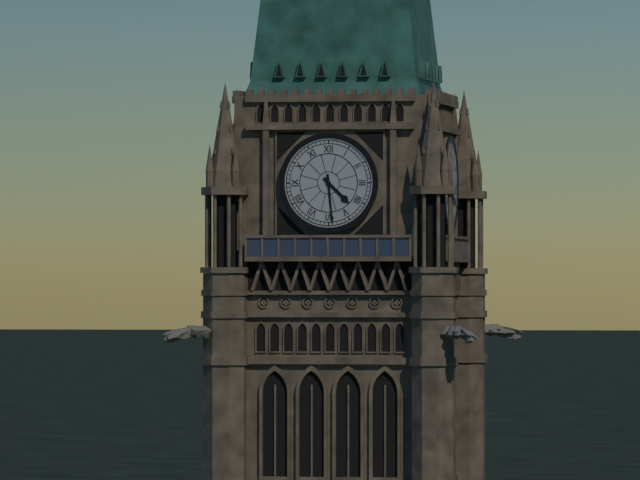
4h29
